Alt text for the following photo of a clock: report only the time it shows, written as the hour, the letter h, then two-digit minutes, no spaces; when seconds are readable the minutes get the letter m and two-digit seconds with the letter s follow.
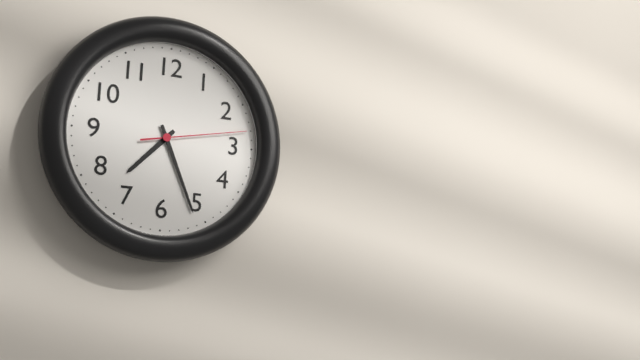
7h26m13s
